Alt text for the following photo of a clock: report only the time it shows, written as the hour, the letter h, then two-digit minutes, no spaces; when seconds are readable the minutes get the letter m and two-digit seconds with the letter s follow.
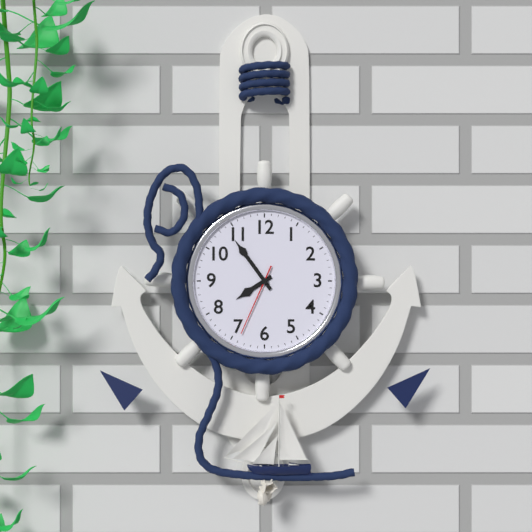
7h54m34s
